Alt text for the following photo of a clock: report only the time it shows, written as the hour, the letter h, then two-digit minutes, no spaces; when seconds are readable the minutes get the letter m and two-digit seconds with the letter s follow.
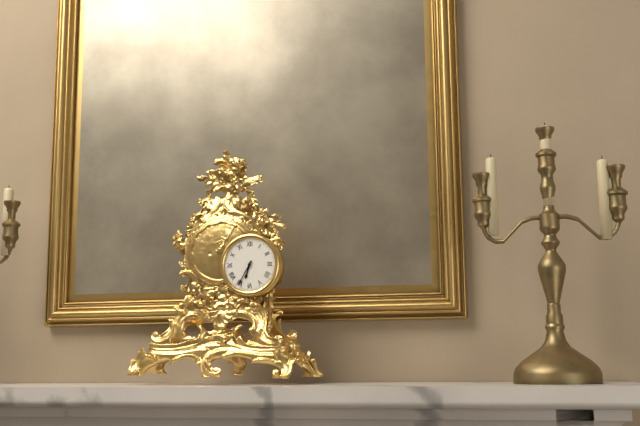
6h35
